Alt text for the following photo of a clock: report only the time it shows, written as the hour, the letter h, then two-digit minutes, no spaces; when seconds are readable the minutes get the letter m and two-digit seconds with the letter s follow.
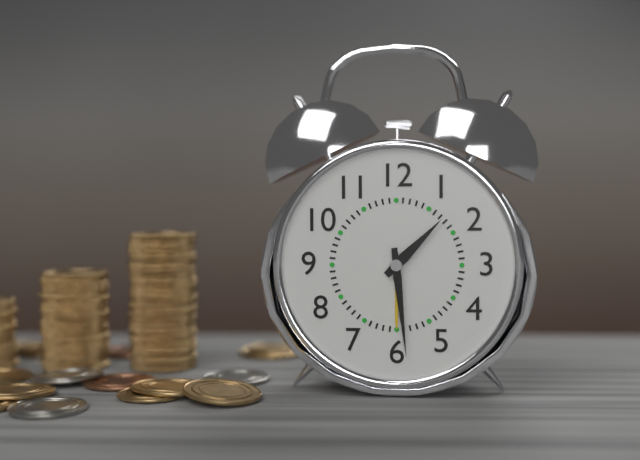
1h29
